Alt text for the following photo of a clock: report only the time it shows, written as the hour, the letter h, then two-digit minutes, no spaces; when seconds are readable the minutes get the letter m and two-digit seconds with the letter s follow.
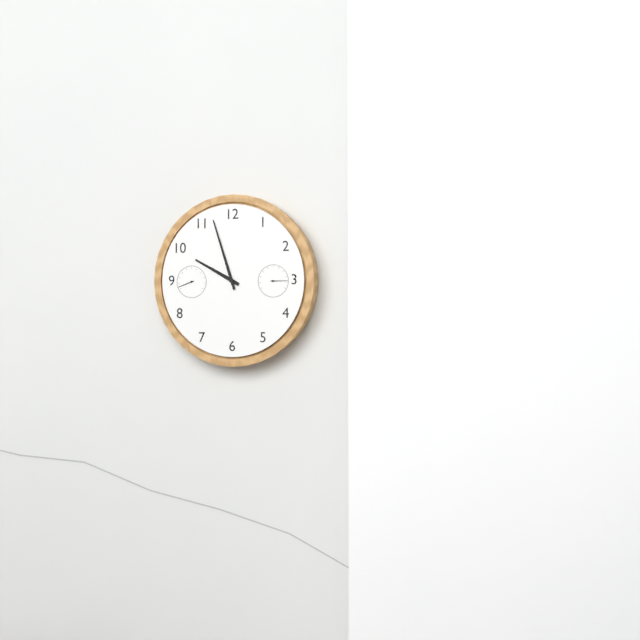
9h57
